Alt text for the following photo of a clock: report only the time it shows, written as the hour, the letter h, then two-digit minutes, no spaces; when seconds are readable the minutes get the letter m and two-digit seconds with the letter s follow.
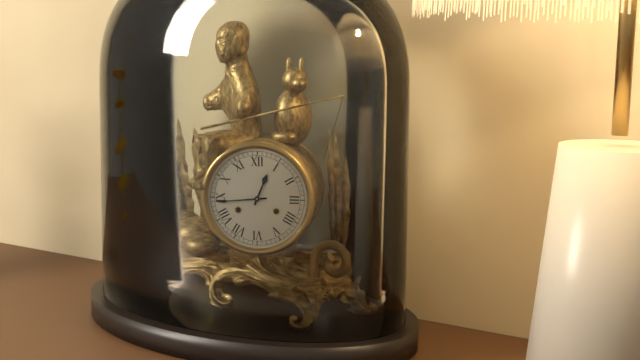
12h44
